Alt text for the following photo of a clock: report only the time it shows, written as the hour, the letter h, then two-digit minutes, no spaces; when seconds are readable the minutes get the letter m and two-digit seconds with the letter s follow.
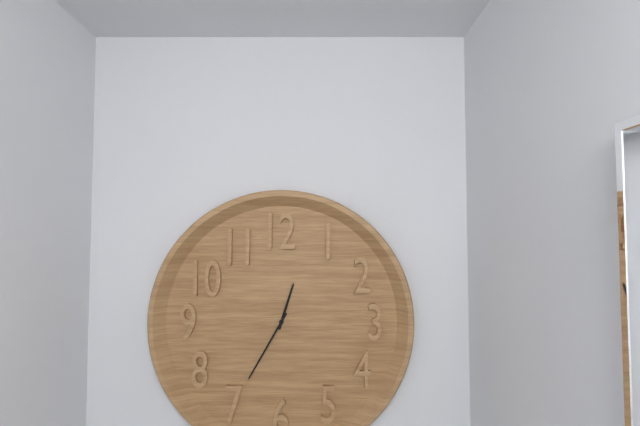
12h35
